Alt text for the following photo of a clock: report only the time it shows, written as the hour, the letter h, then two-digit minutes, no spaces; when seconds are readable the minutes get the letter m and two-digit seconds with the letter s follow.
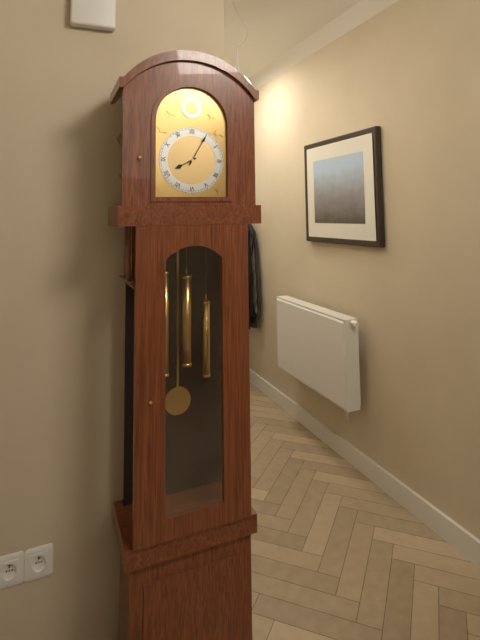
8h05
